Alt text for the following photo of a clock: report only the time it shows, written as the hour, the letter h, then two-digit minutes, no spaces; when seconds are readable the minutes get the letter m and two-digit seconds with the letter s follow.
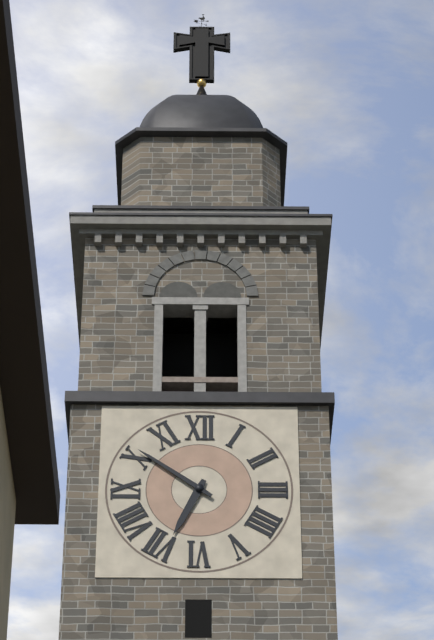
6h51
